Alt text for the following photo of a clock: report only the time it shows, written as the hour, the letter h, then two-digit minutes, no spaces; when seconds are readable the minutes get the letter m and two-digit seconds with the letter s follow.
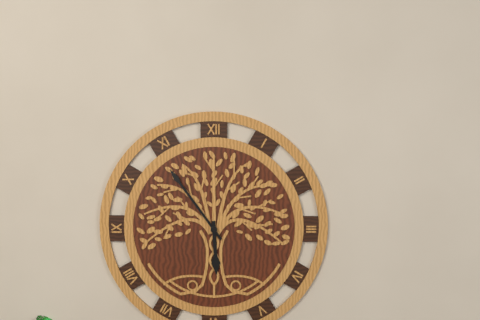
5h54
